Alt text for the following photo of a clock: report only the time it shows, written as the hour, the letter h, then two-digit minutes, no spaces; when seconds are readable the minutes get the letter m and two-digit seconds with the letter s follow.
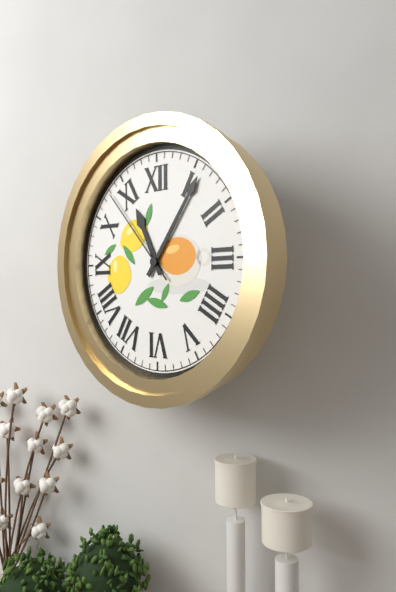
11h06m53s
